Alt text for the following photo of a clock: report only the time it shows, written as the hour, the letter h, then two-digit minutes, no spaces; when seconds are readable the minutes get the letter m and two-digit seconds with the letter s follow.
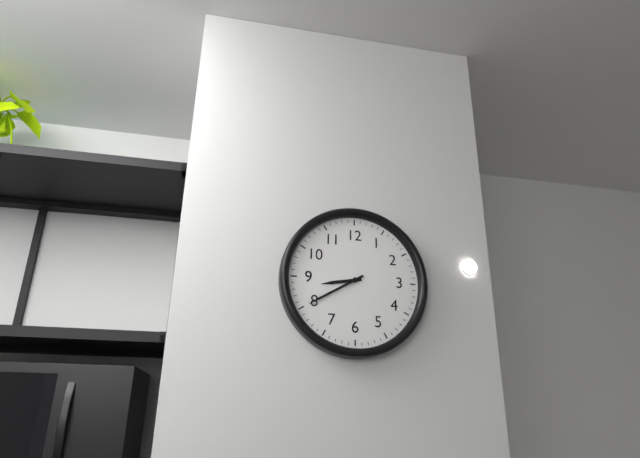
8h40
